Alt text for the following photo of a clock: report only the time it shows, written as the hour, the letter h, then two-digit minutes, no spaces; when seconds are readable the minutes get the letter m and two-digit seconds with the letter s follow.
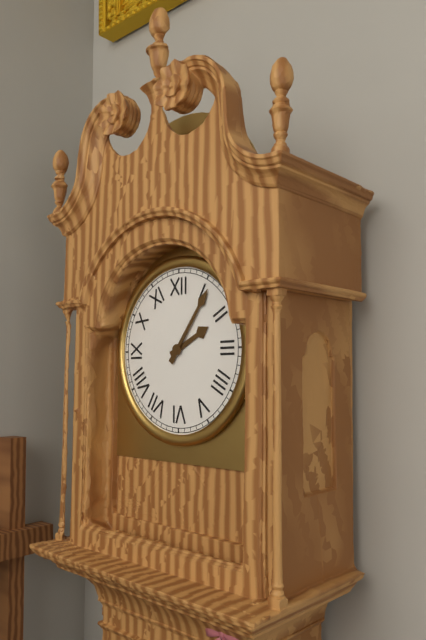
2h06
